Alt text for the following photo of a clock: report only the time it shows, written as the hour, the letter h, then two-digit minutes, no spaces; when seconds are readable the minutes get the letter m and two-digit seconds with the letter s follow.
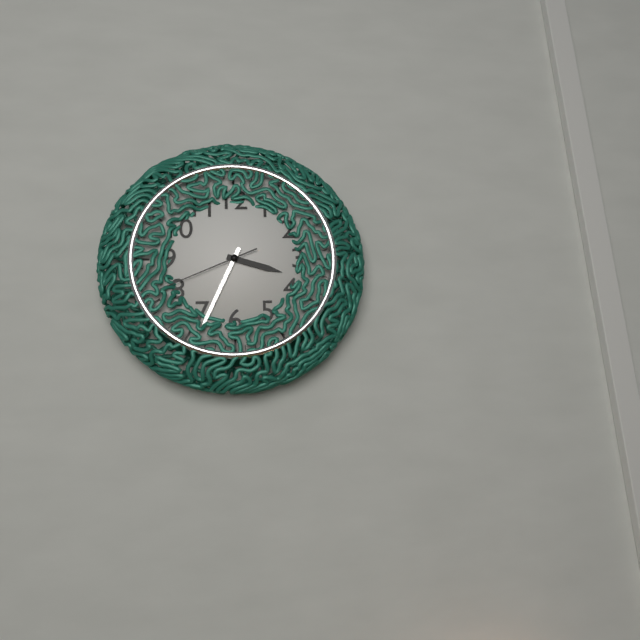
3h34m41s
